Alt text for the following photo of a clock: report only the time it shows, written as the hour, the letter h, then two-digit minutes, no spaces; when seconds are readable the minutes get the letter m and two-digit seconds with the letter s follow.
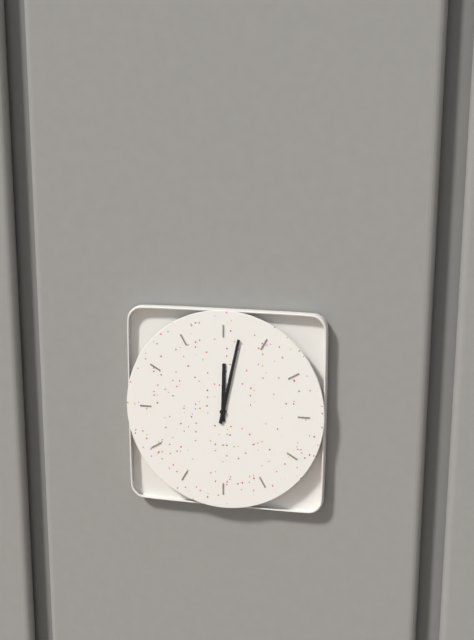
12h02
